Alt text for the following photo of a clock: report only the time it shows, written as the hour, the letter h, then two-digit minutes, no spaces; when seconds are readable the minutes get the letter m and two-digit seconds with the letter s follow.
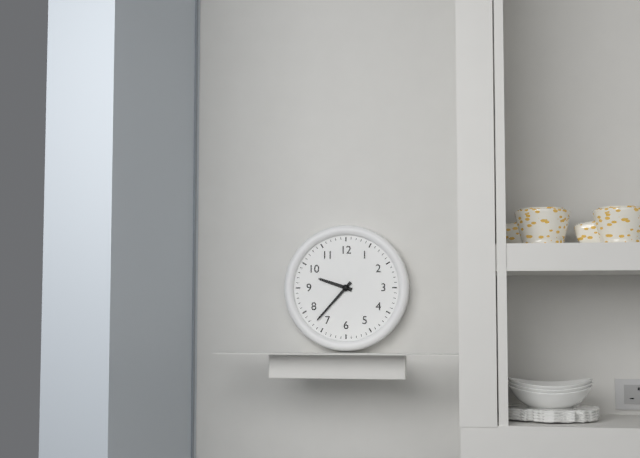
9h37
